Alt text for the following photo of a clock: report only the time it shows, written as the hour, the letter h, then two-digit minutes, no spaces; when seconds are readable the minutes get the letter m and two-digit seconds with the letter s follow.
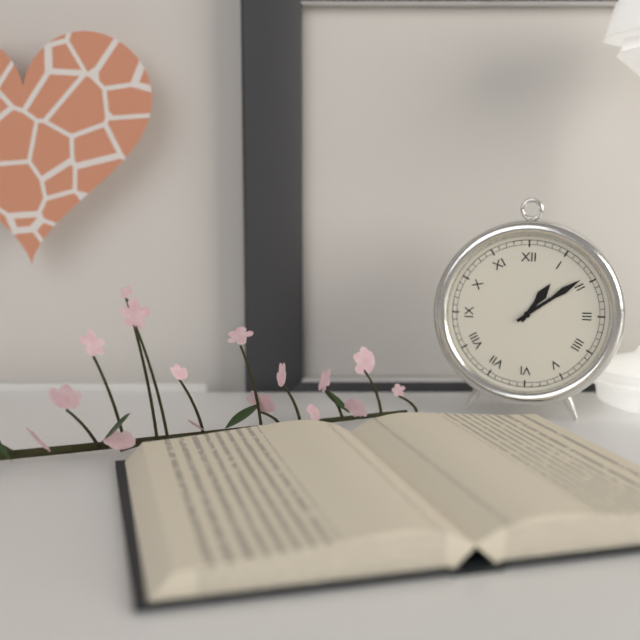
1h09
